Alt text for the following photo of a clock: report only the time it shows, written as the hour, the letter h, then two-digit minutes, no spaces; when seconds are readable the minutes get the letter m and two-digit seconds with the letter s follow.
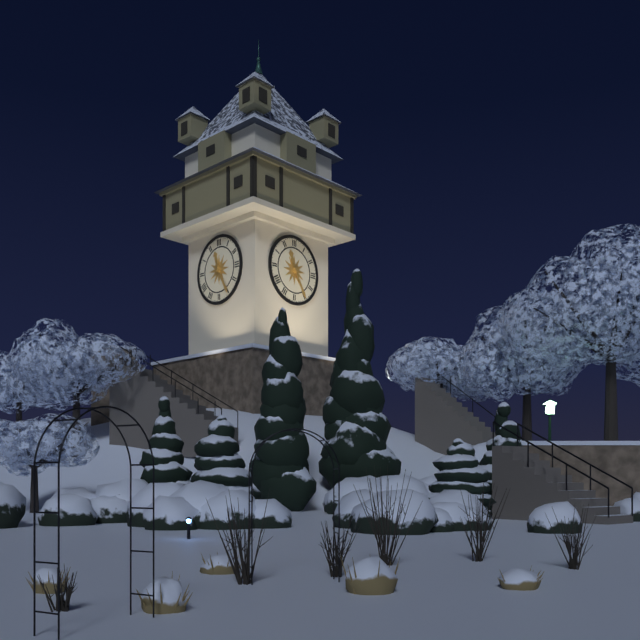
11h25
